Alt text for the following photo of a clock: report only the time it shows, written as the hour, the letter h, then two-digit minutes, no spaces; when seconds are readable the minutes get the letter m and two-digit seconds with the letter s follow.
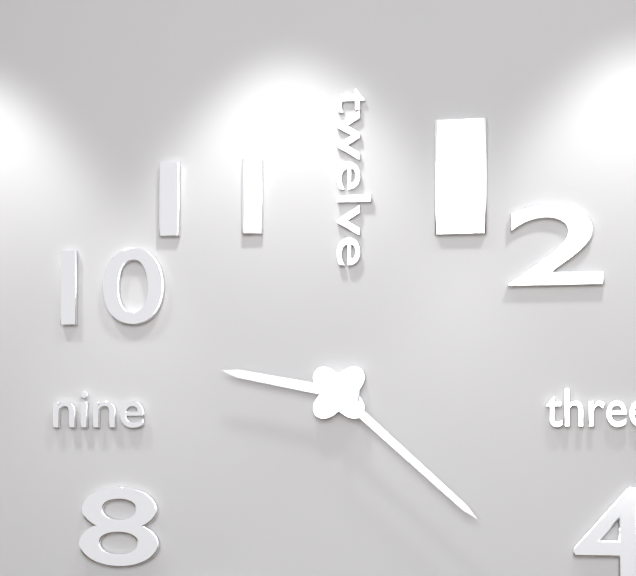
9h22
